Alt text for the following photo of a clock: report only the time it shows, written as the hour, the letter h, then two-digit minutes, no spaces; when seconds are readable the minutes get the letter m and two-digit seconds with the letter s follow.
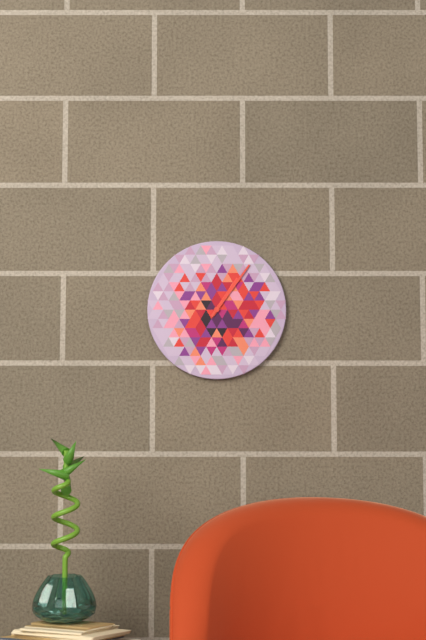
1h06
